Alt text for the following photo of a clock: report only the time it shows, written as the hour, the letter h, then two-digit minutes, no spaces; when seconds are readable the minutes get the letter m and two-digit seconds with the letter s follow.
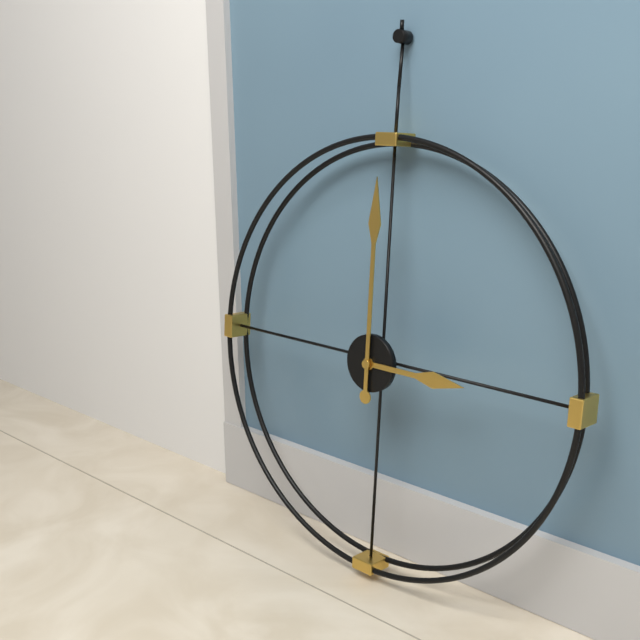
3h00
